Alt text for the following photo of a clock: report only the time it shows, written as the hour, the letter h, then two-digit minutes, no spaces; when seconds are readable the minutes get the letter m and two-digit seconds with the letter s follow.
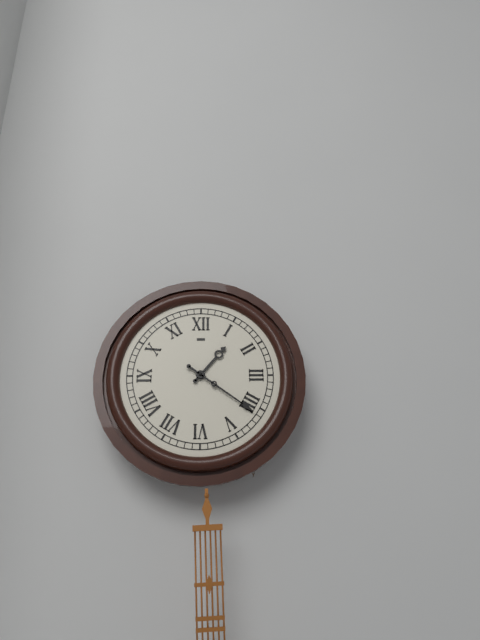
1h21
